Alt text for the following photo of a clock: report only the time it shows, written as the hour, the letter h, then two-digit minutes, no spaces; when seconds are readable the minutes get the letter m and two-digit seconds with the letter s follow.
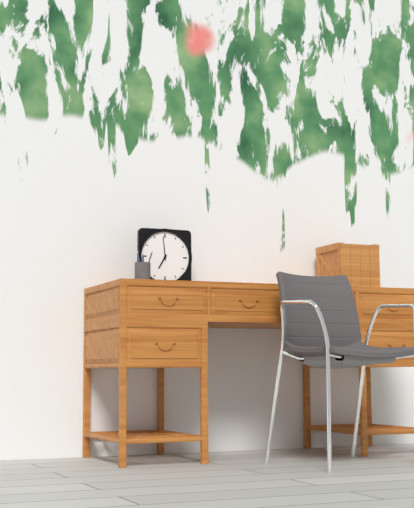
6h59
